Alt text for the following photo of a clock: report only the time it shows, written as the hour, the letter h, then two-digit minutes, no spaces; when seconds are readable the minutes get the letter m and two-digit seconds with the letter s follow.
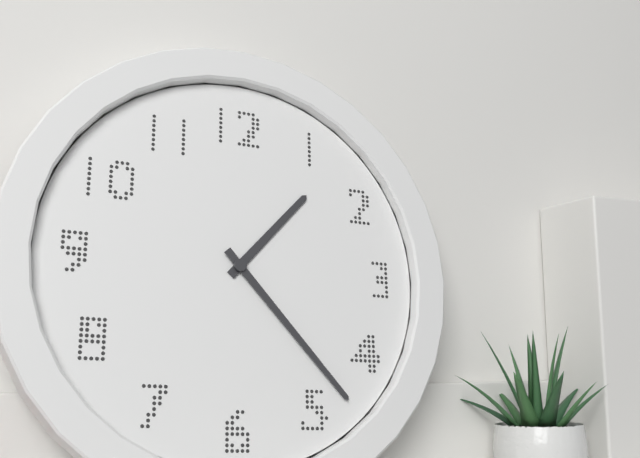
1h23
